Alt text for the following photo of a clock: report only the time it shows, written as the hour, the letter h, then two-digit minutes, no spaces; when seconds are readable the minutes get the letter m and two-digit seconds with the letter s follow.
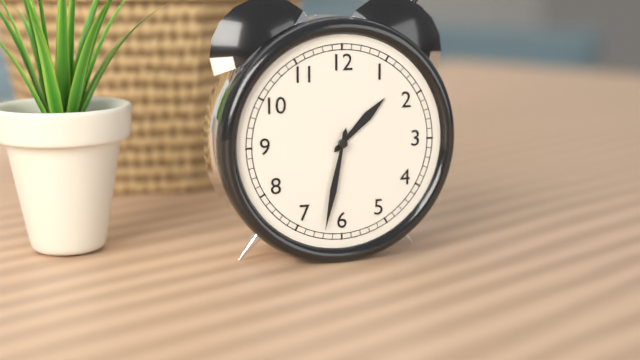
1h32
